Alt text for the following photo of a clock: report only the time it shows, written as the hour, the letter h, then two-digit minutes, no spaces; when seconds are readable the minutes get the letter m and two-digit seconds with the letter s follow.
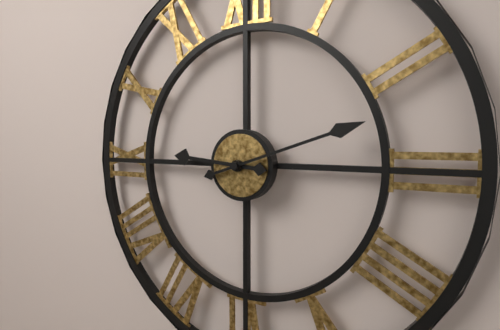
9h12
